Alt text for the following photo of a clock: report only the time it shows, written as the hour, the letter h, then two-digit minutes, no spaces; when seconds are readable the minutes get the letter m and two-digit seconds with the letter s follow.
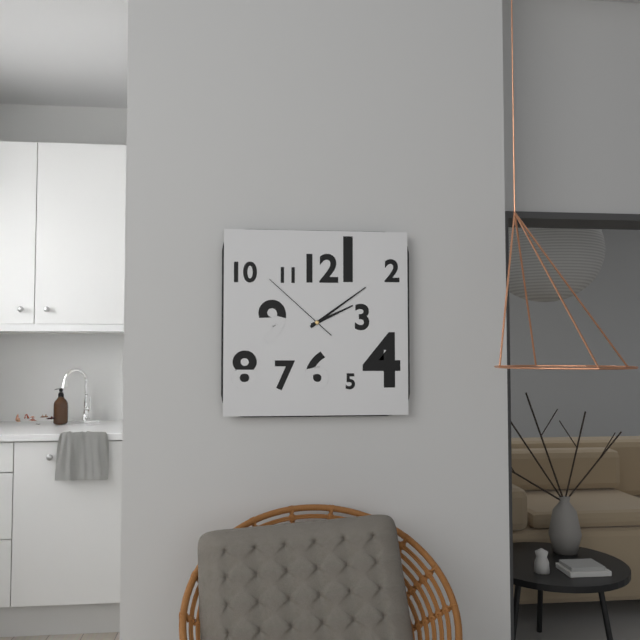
2h09m52s
